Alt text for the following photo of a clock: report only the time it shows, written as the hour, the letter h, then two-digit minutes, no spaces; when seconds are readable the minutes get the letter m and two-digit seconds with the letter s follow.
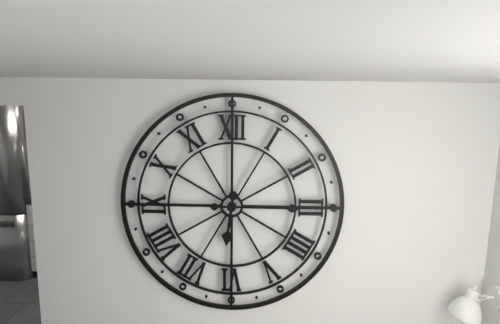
6h15
